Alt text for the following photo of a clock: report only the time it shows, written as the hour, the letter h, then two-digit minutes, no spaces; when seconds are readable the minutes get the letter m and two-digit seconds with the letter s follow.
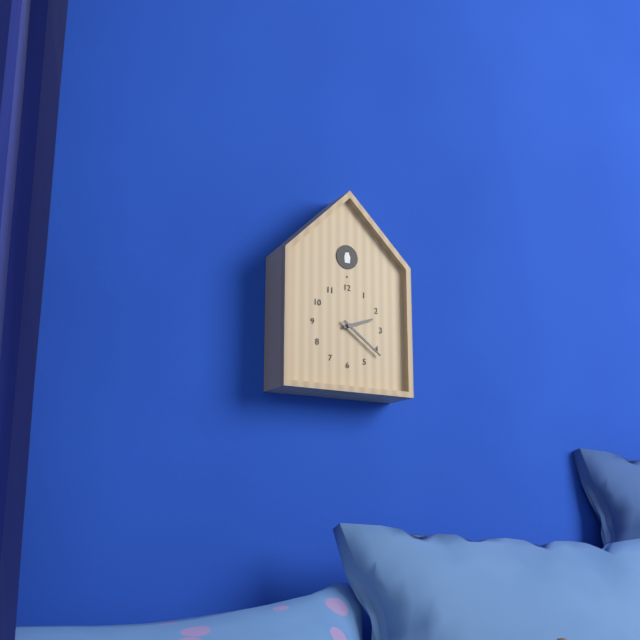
2h21
